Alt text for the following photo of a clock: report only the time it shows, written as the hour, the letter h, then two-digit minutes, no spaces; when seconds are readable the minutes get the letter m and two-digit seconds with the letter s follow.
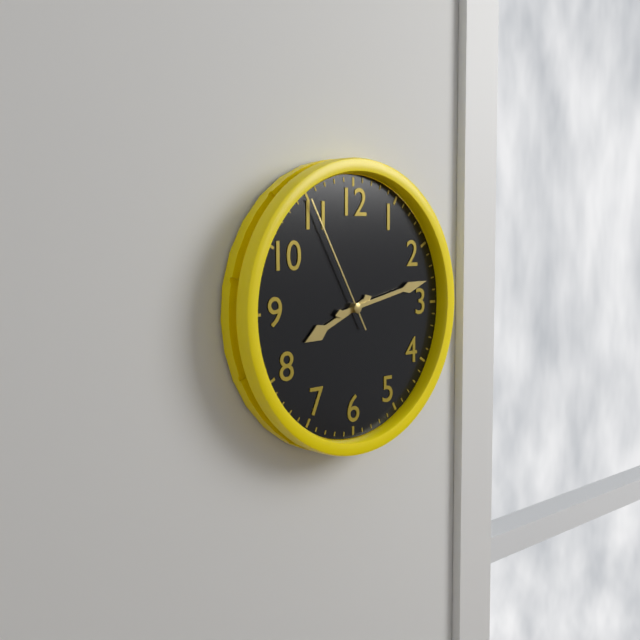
8h13m55s
